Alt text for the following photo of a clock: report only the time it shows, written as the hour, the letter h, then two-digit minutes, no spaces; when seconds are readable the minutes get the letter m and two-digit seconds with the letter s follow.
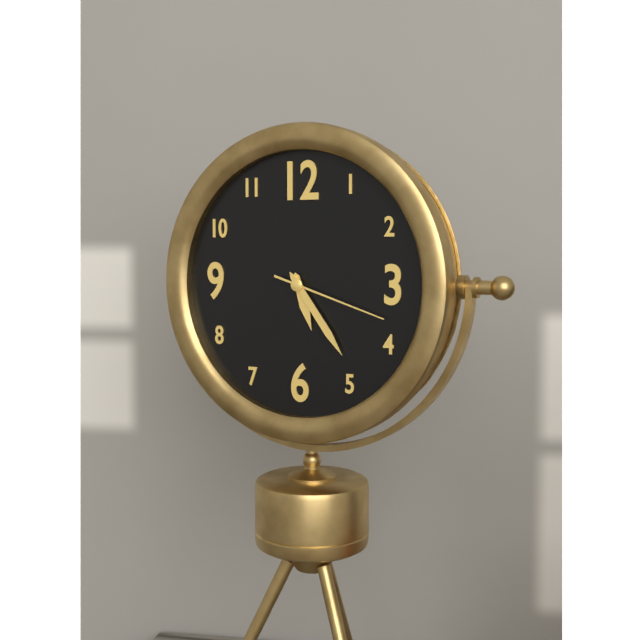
5h24m18s
